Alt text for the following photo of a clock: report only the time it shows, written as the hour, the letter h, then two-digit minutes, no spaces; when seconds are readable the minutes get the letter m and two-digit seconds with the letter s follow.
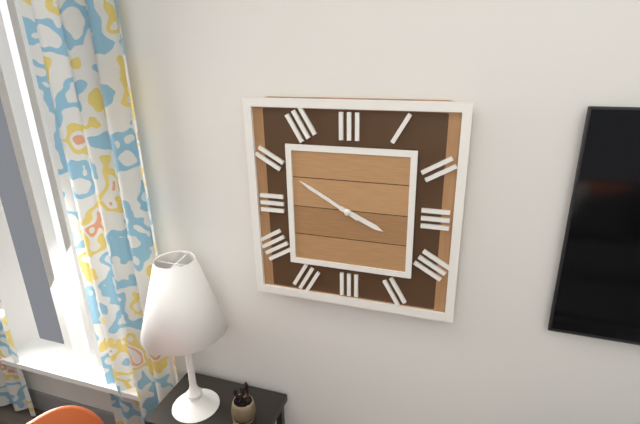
3h50
